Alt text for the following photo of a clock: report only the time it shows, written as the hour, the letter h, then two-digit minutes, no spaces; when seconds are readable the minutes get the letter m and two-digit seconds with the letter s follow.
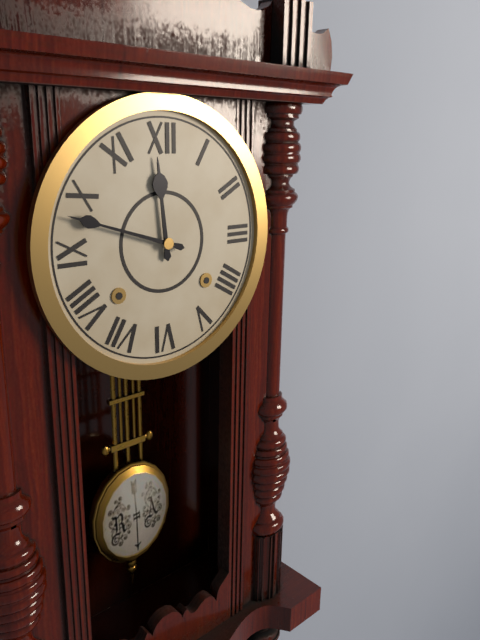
11h48
